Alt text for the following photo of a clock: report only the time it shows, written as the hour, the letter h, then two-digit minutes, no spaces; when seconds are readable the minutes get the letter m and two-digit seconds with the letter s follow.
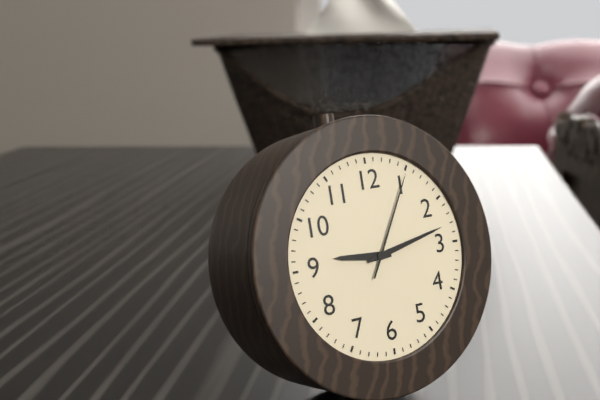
9h13m05s
